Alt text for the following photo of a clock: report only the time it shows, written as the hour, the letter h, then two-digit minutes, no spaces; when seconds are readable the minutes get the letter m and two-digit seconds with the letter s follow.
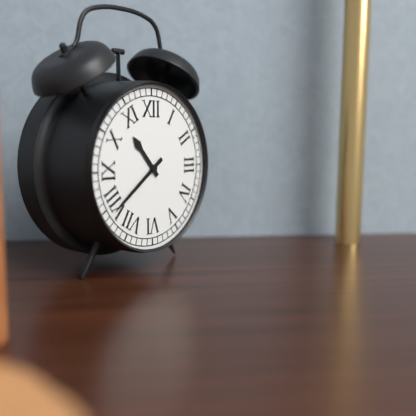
10h39
